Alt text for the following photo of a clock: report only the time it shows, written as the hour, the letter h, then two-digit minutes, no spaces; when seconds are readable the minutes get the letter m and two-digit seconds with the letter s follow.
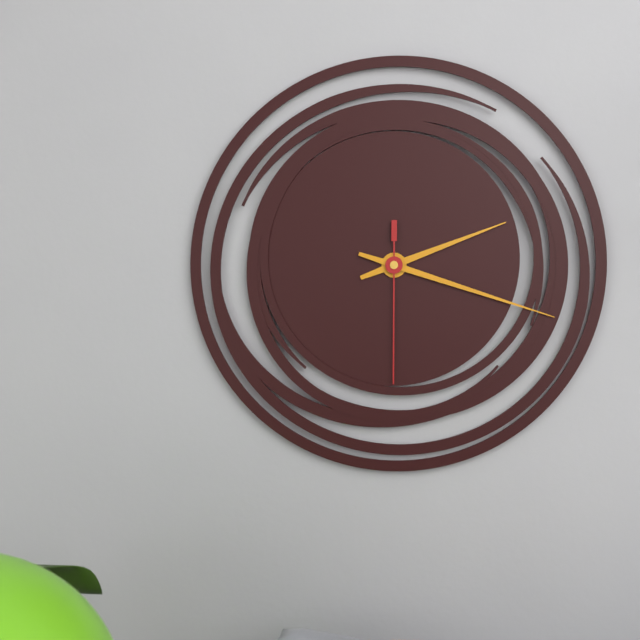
2h18m30s
